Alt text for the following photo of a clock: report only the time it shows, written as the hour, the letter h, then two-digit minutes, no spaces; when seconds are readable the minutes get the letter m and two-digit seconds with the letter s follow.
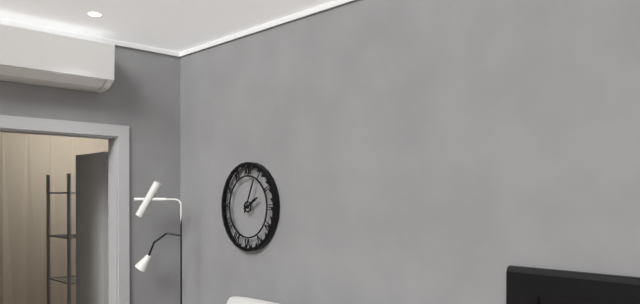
2h04
